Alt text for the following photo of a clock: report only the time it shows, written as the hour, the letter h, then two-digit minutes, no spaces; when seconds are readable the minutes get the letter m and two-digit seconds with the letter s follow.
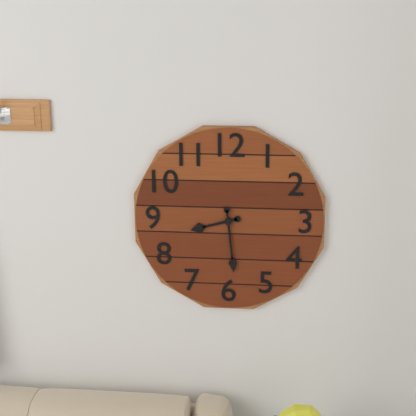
8h29
